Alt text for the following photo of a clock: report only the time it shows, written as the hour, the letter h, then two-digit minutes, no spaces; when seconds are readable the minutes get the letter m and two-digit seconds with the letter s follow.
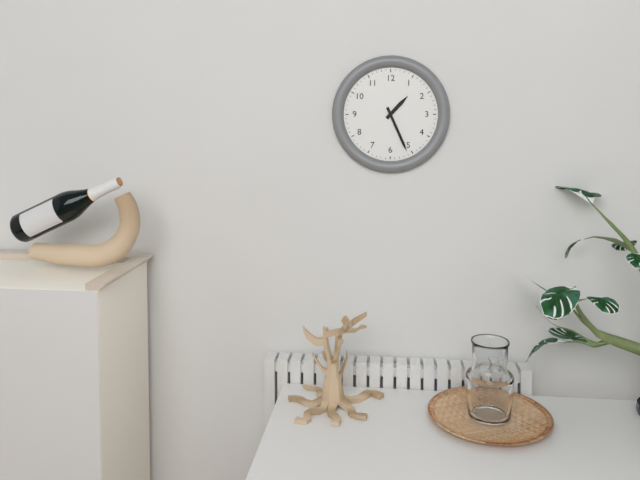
1h26
